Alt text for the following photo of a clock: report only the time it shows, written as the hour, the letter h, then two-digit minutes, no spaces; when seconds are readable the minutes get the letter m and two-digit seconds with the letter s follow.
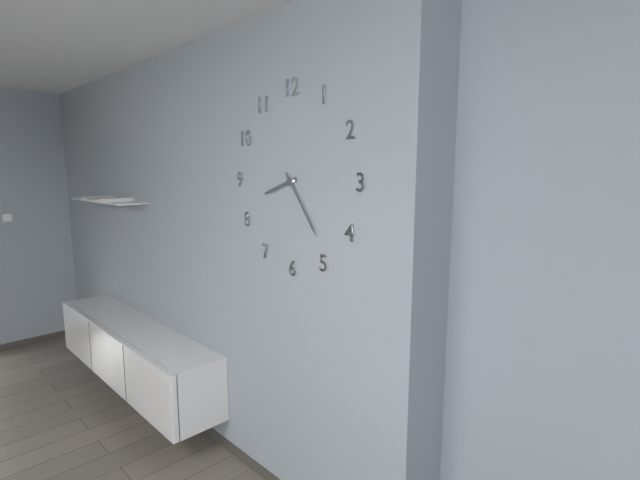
8h24
